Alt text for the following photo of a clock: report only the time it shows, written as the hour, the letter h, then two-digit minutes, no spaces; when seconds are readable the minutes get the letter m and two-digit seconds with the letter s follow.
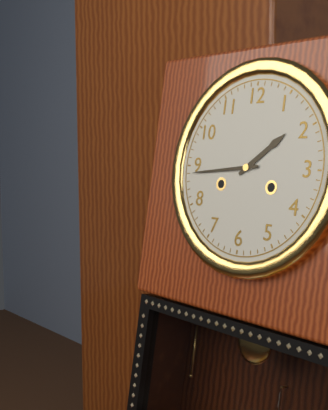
1h44
